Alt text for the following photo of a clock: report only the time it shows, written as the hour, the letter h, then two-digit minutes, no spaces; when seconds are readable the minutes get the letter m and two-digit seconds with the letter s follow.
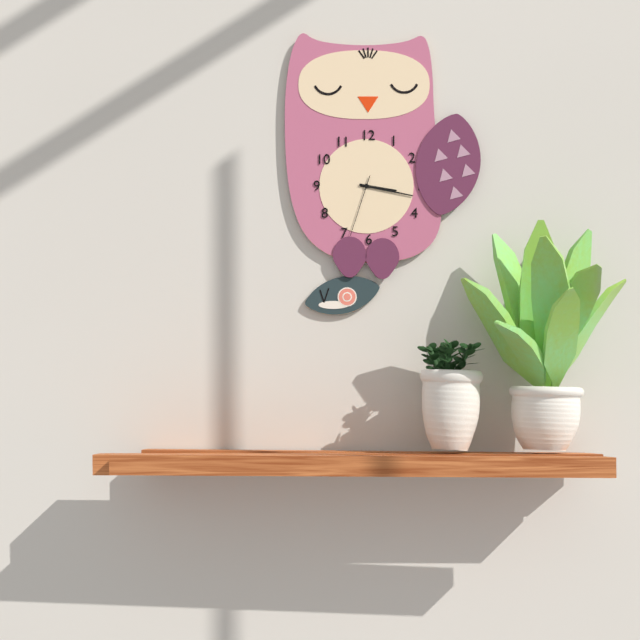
3h17m33s
